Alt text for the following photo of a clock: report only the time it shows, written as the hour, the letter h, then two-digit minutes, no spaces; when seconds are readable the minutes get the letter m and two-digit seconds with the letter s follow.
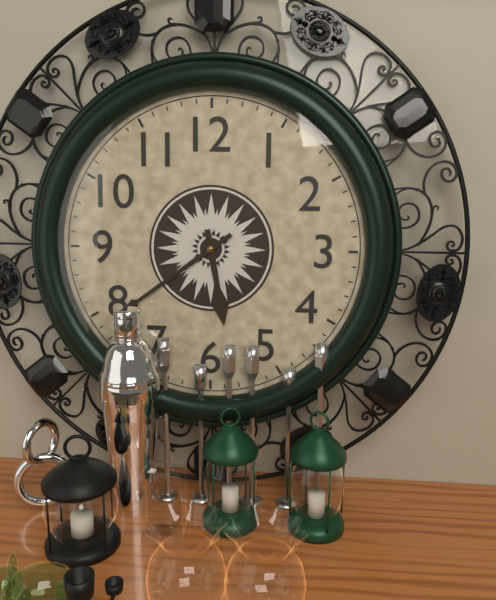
5h39
